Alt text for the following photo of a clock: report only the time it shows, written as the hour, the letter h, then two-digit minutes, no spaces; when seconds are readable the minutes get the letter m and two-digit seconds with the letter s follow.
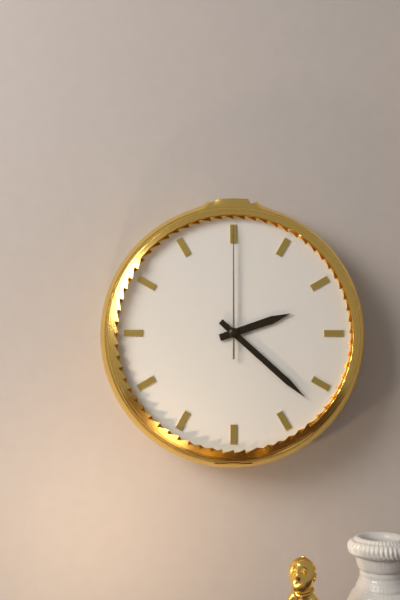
2h22m00s
